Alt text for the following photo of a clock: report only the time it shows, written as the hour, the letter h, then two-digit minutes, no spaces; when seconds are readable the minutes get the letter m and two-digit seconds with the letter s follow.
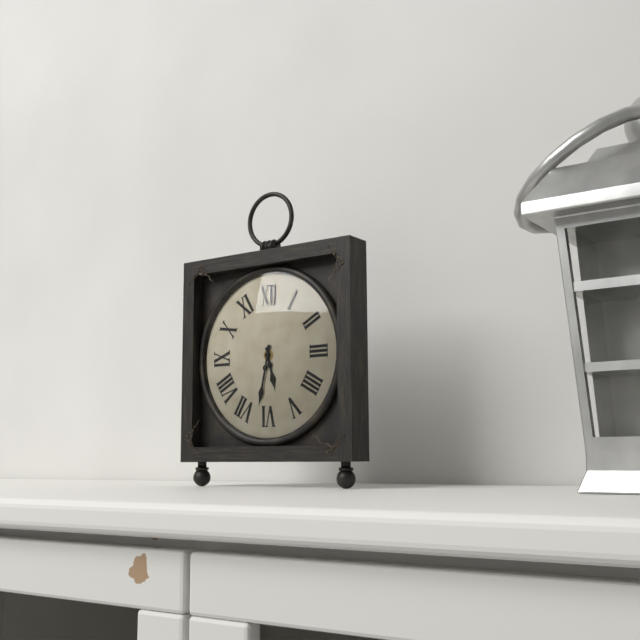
5h32
